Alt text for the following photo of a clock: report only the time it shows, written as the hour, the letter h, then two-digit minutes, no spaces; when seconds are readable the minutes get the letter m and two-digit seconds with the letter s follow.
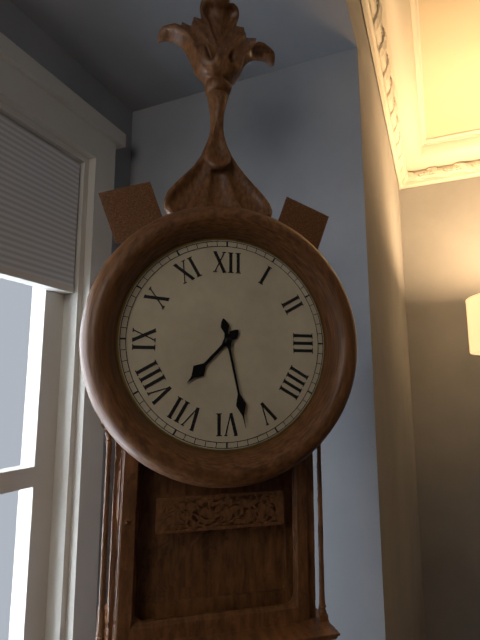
7h28
